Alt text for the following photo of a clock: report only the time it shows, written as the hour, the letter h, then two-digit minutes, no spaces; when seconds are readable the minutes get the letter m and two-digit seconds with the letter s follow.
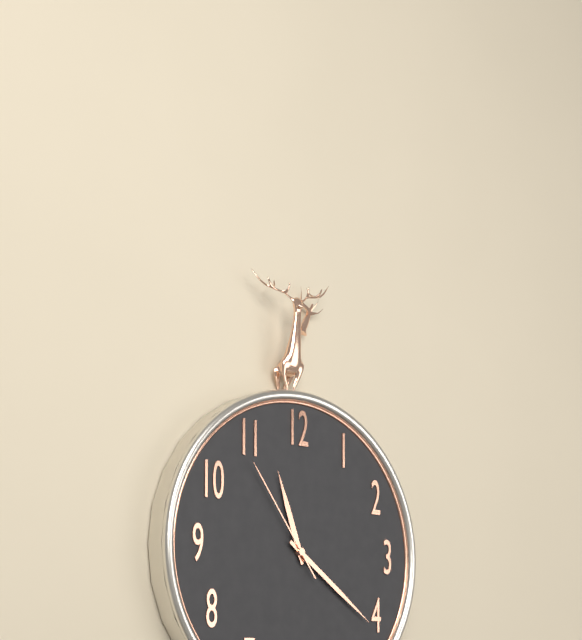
11h21m54s
